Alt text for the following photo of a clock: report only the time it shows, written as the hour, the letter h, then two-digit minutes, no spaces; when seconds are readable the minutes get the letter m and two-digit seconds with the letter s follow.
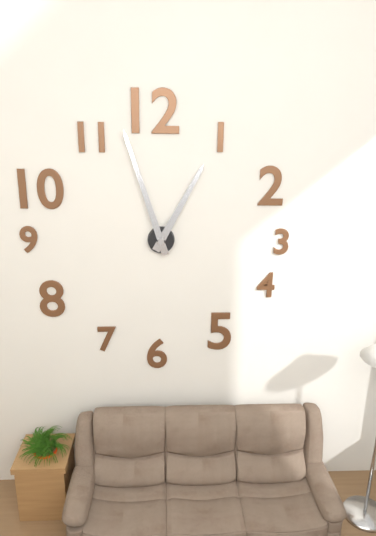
12h57
